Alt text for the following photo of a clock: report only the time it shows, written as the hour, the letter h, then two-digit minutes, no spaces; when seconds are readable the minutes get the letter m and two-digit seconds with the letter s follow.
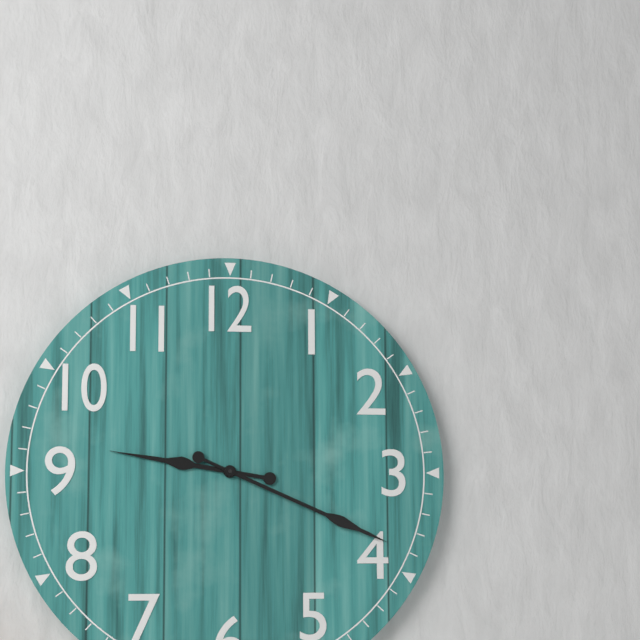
9h19
